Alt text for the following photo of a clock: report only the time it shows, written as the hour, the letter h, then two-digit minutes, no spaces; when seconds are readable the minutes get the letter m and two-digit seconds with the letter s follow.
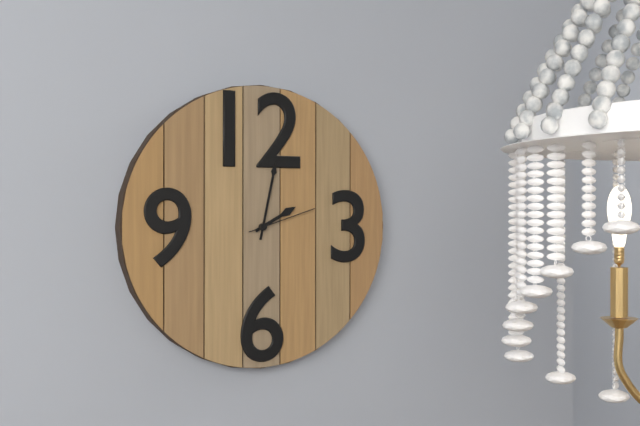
2h02m12s
